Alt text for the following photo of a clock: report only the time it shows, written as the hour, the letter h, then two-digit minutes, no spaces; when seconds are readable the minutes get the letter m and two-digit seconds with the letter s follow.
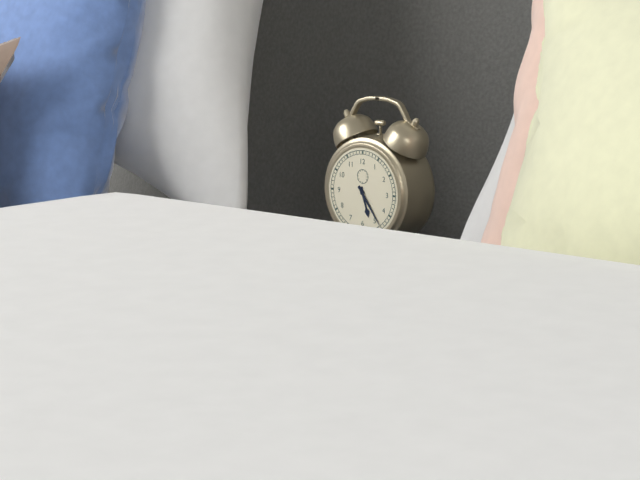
5h24
